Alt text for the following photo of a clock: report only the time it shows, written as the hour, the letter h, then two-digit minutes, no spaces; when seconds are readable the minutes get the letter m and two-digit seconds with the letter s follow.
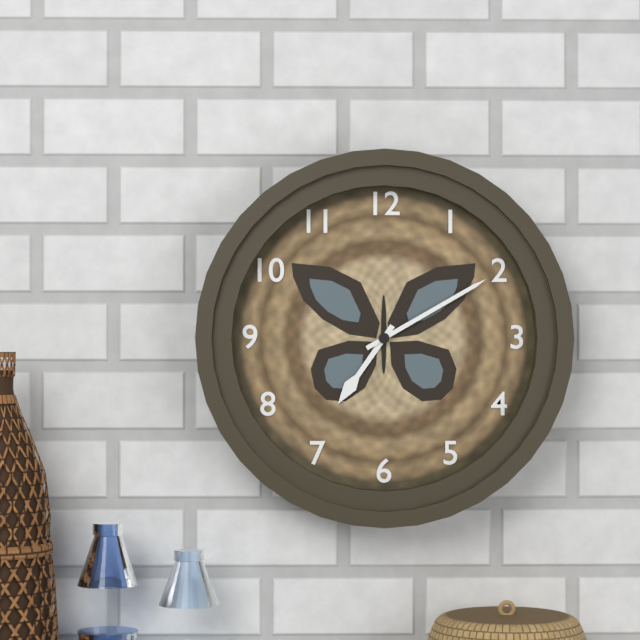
7h10
